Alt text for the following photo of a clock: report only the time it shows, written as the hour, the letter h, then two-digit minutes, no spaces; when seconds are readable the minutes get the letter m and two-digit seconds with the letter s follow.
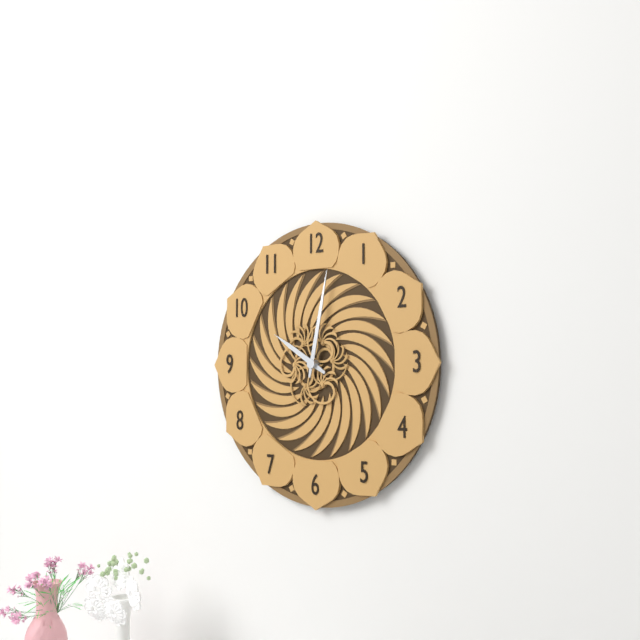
10h02
